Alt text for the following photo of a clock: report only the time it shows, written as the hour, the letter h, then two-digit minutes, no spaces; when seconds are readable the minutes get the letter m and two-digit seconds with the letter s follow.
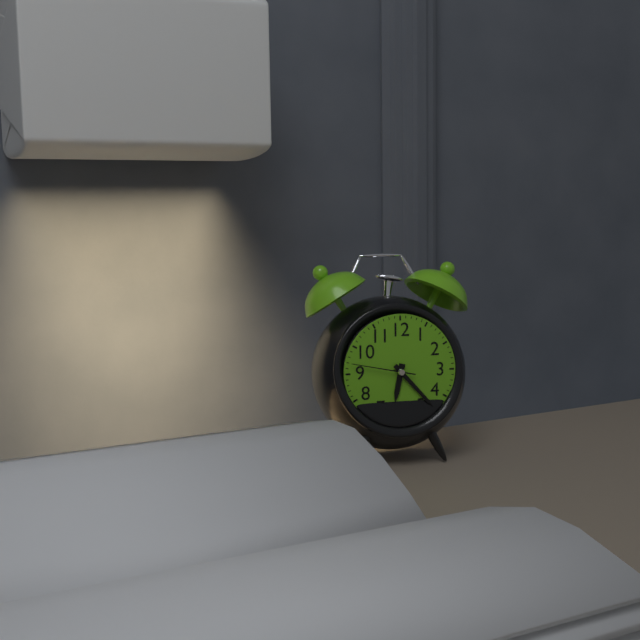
6h23m47s
